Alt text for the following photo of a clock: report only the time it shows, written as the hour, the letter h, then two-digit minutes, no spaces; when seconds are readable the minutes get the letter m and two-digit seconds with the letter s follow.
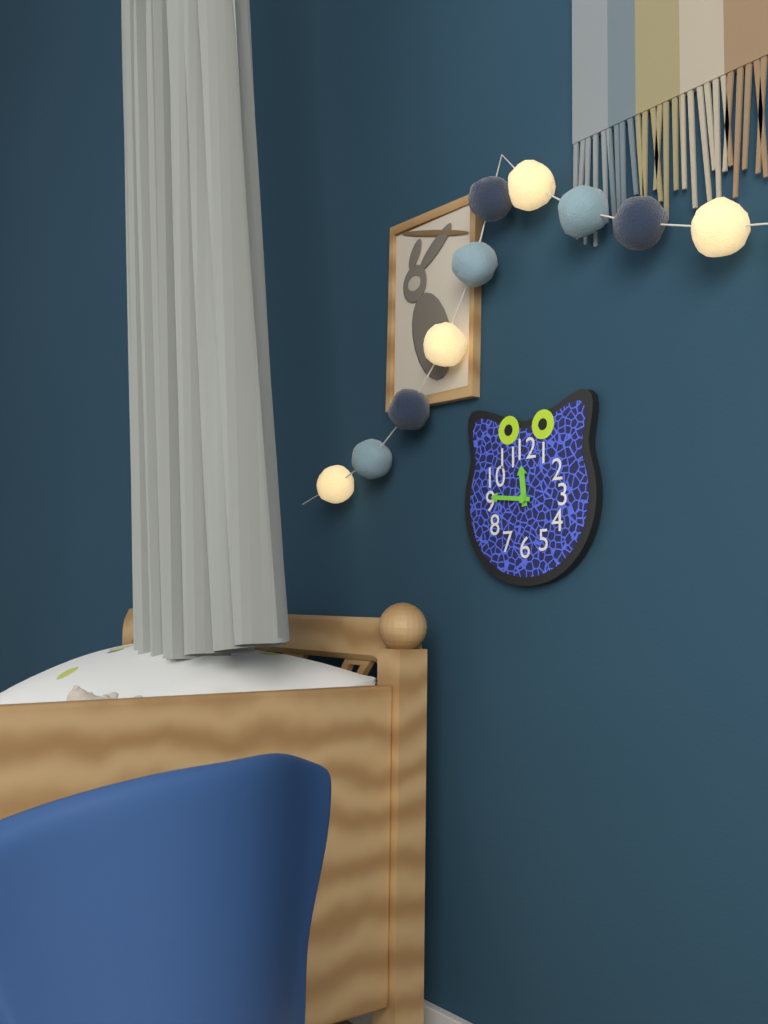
11h46
